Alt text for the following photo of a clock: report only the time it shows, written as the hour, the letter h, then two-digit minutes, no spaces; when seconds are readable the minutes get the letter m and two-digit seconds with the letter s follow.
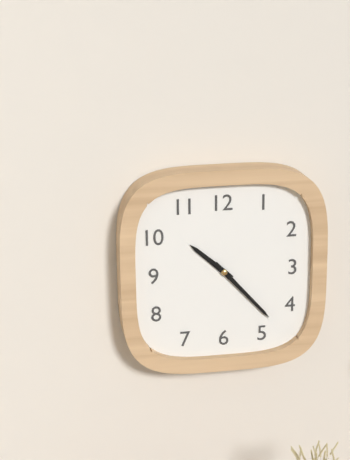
10h23
